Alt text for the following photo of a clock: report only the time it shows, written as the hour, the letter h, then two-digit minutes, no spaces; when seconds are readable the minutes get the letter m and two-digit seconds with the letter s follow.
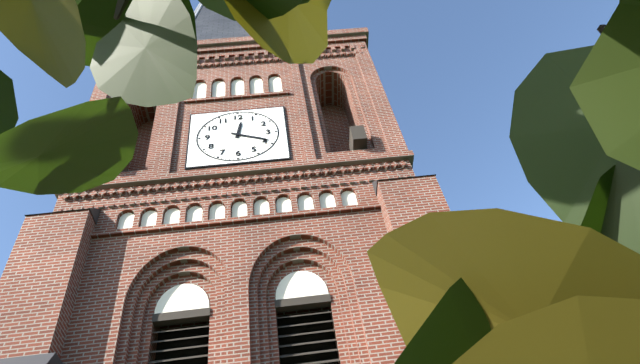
12h19
